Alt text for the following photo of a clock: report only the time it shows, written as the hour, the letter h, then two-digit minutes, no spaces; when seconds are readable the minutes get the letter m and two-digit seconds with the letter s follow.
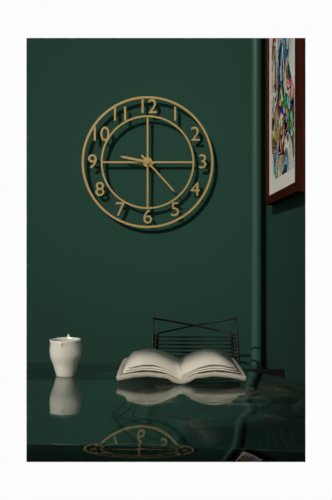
9h23
